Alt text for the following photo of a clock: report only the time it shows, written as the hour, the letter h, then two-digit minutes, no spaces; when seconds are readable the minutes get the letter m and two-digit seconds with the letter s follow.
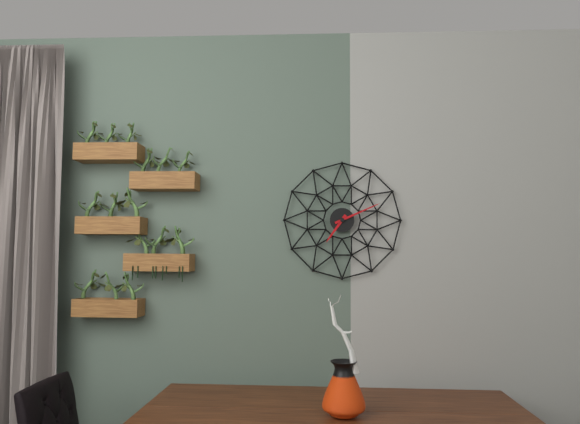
7h11
